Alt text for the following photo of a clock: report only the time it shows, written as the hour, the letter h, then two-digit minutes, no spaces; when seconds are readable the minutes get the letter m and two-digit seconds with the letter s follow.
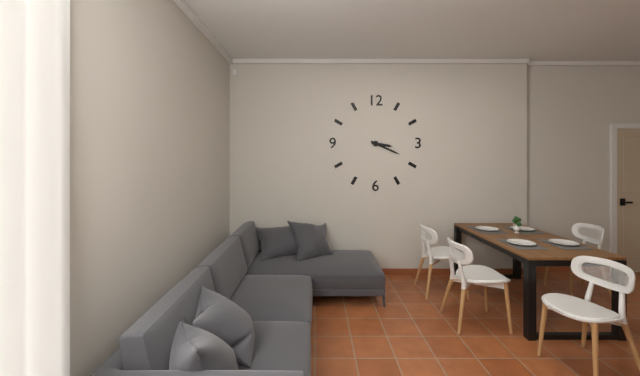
3h19
